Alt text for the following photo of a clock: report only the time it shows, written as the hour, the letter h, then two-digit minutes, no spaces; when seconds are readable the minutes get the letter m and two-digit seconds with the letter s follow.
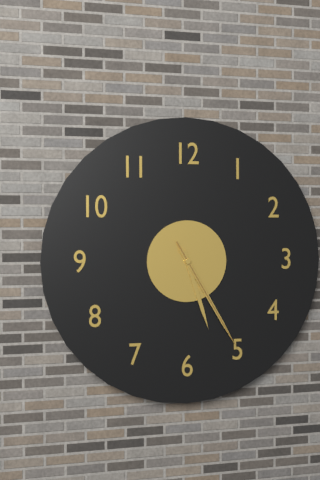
5h25m25s
